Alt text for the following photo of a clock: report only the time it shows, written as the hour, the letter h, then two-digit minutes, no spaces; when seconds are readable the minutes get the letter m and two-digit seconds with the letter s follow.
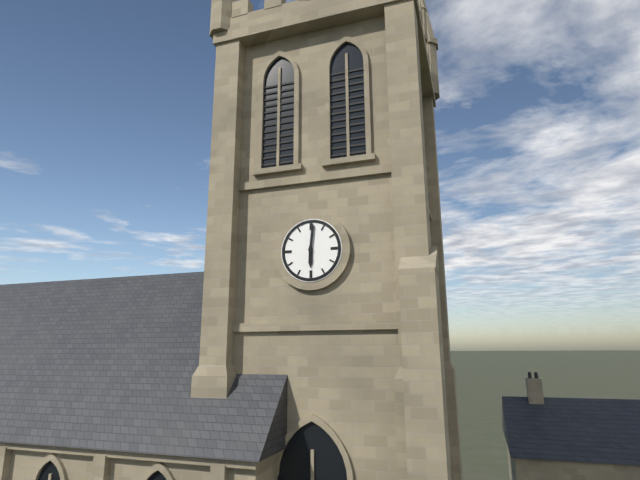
6h01
